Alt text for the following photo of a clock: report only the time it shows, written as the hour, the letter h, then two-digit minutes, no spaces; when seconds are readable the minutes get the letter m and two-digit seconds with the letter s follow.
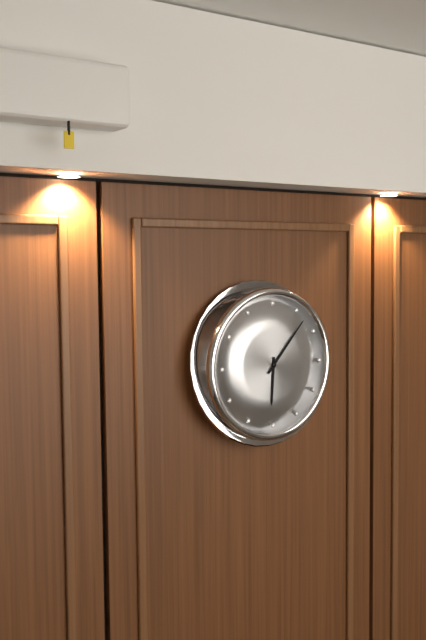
6h07
